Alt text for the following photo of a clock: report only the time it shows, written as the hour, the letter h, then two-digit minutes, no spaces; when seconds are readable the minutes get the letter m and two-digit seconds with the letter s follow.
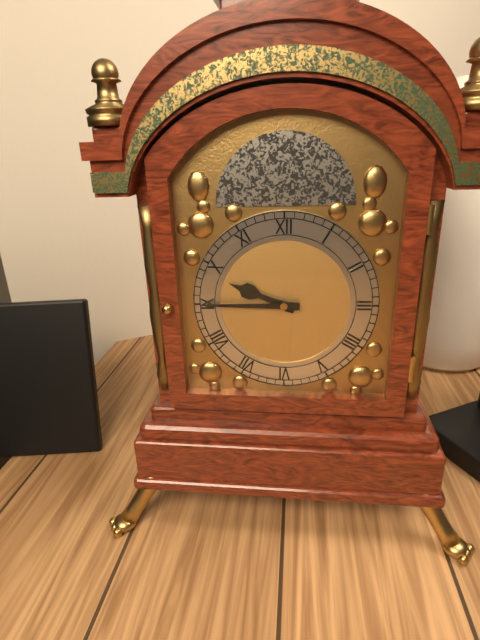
9h45
